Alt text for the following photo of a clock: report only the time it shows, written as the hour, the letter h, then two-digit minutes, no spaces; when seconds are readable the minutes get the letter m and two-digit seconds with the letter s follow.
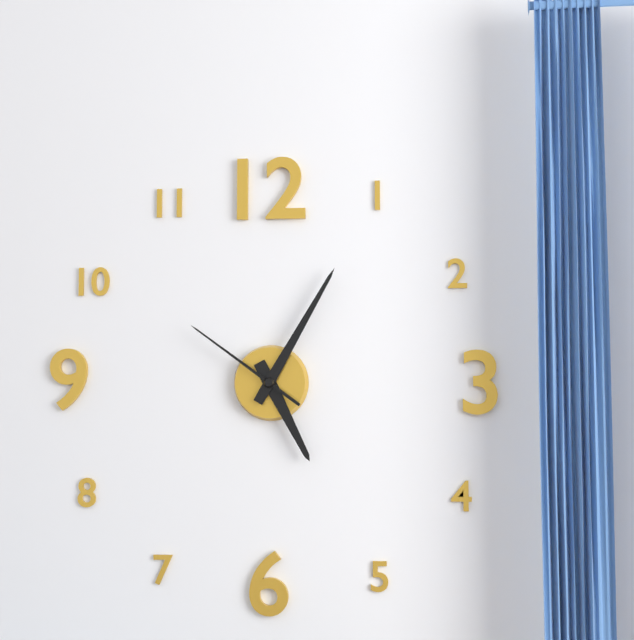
5h05m51s
